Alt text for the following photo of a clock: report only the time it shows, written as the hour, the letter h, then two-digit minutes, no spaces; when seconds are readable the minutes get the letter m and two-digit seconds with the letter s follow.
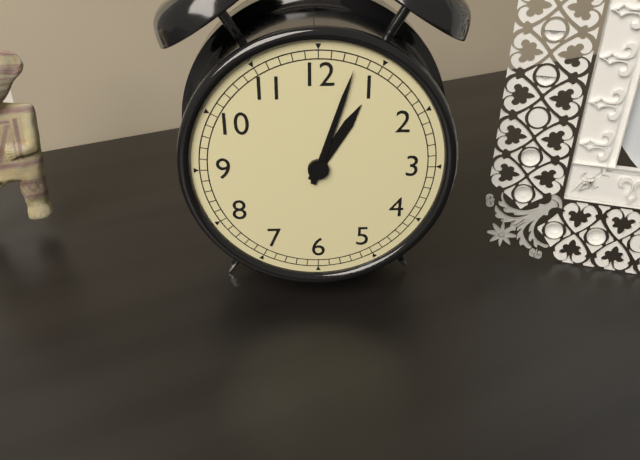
1h03
